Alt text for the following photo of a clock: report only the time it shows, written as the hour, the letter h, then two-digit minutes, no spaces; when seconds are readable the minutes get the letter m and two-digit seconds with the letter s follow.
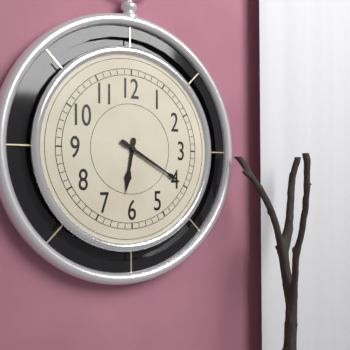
6h20
